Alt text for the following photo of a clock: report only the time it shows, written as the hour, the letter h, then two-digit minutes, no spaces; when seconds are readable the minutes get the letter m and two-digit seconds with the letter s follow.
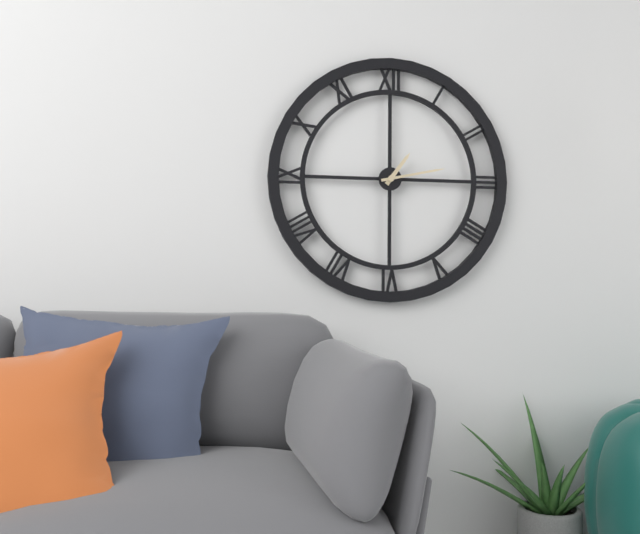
1h13
